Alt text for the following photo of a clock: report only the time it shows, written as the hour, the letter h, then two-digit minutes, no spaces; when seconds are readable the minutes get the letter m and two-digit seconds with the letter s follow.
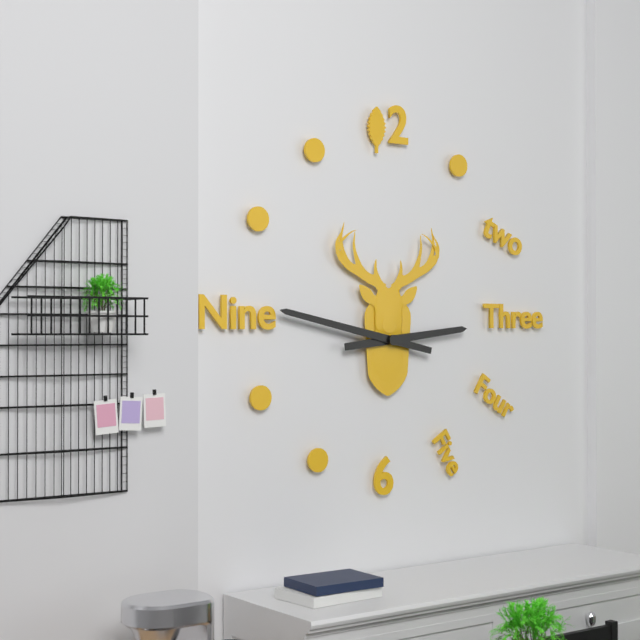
2h47
